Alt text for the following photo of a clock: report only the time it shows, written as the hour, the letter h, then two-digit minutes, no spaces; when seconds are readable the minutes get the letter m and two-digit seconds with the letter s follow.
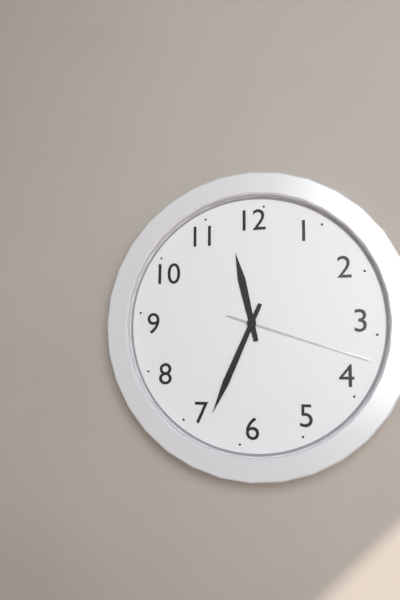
11h34m18s
